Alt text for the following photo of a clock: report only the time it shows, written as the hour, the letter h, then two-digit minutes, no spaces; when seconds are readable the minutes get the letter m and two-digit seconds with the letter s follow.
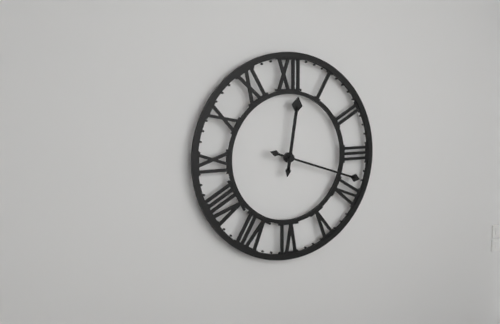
12h18
